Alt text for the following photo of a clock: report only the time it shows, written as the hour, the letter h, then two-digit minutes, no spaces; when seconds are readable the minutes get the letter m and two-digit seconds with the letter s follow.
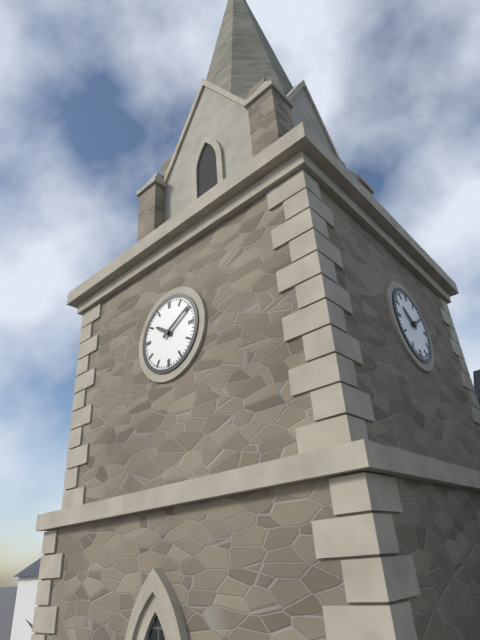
10h10
